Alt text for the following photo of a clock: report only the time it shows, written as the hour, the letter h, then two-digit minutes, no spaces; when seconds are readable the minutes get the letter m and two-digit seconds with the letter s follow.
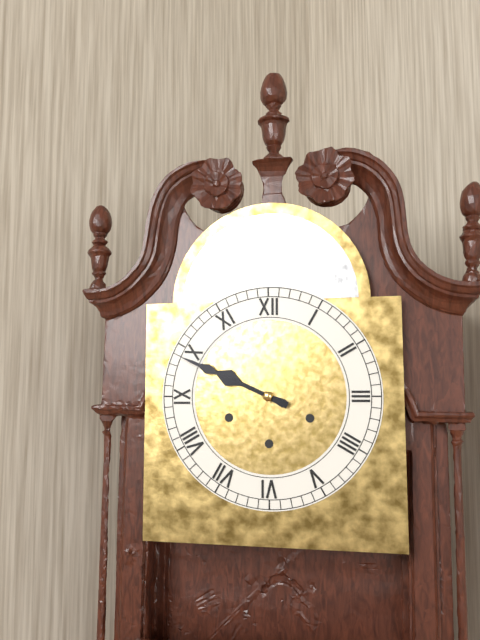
9h49
